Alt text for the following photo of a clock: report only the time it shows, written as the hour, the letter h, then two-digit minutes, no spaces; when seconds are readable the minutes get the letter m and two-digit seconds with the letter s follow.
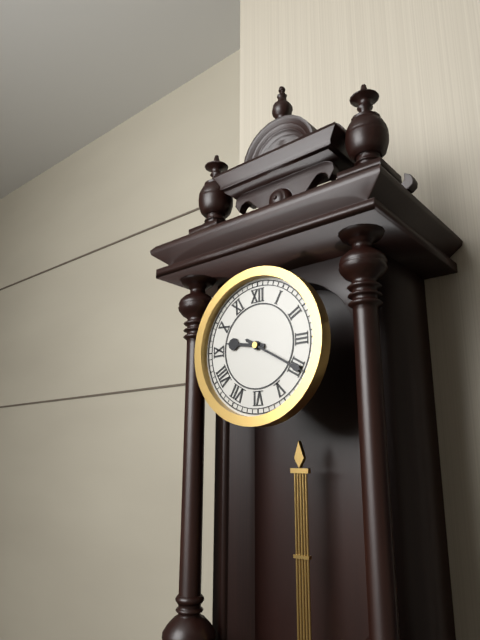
9h20
